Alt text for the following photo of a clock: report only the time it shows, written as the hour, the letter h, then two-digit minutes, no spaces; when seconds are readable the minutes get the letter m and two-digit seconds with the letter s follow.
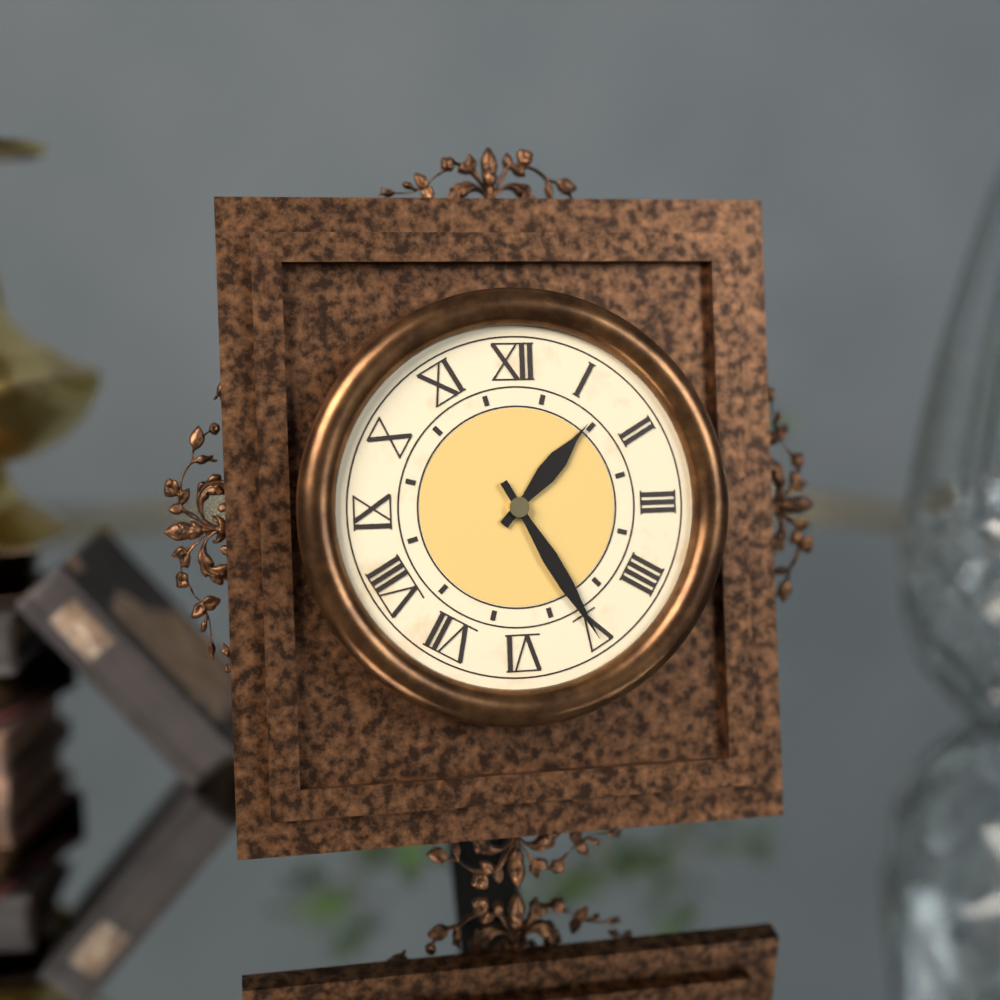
1h25
